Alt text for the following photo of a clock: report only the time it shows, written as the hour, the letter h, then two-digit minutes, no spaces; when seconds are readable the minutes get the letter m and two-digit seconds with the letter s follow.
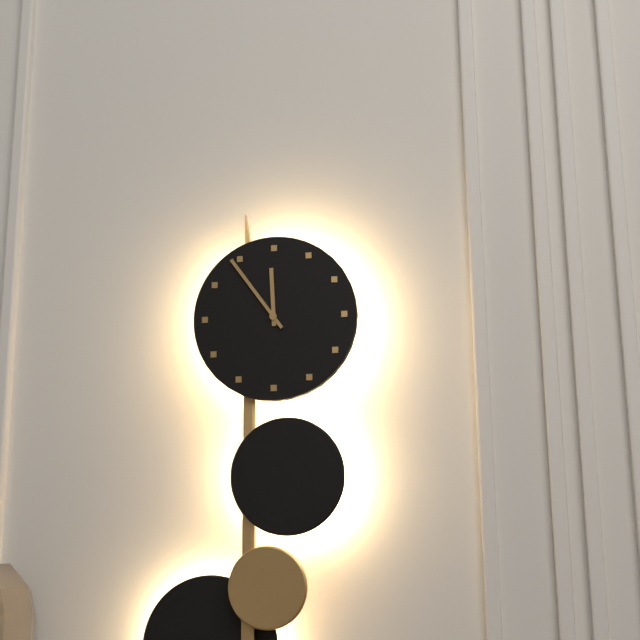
11h54
